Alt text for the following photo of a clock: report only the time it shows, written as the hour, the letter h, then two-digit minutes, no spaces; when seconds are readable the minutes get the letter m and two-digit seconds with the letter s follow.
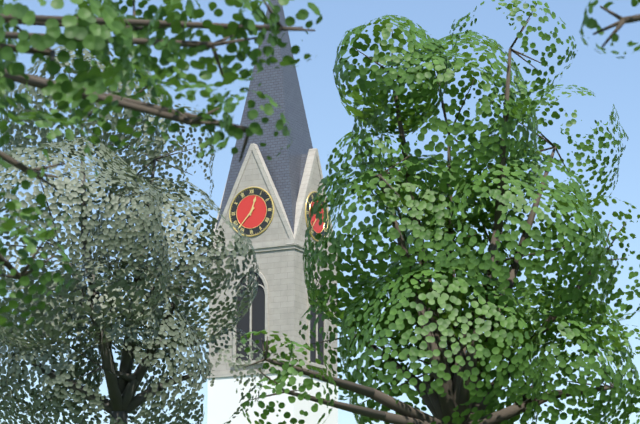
12h37
